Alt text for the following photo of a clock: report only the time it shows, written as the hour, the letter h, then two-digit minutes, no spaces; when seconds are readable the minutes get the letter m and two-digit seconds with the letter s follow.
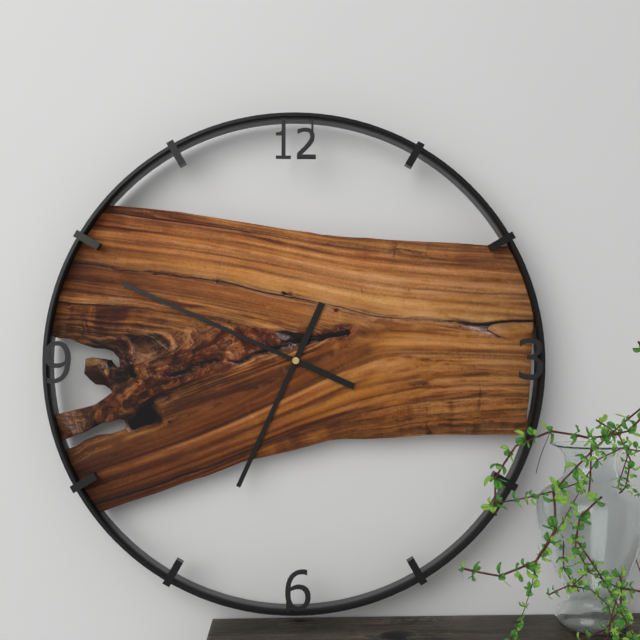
6h49
